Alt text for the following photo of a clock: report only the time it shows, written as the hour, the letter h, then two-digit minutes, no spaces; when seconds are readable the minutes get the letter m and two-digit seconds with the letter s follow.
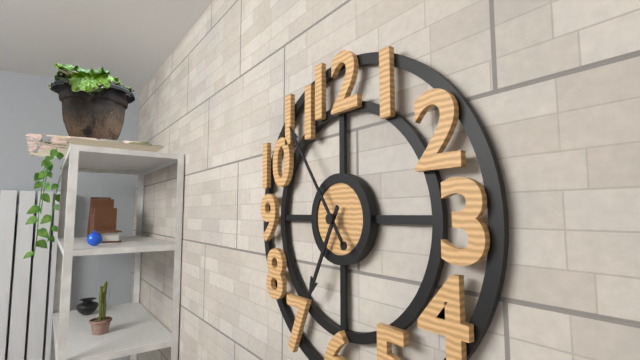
6h54
